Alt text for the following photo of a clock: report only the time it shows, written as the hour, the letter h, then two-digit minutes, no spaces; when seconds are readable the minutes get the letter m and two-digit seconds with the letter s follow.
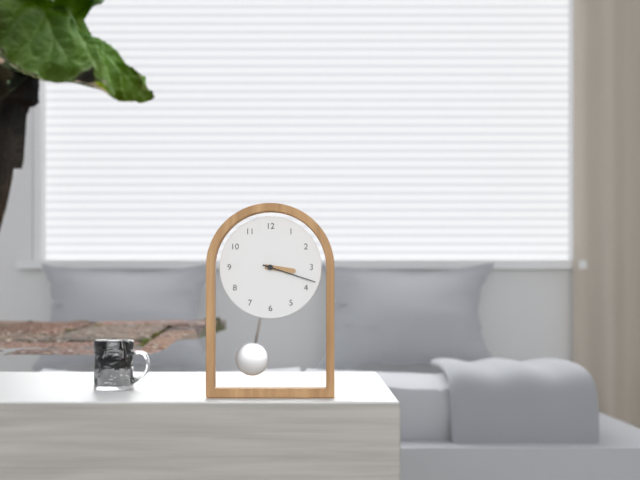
3h18
